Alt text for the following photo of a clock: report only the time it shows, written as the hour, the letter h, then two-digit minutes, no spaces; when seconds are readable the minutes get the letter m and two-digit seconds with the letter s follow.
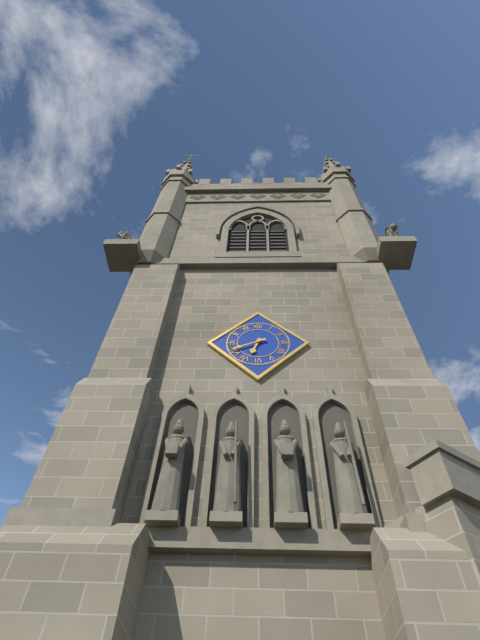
6h41
